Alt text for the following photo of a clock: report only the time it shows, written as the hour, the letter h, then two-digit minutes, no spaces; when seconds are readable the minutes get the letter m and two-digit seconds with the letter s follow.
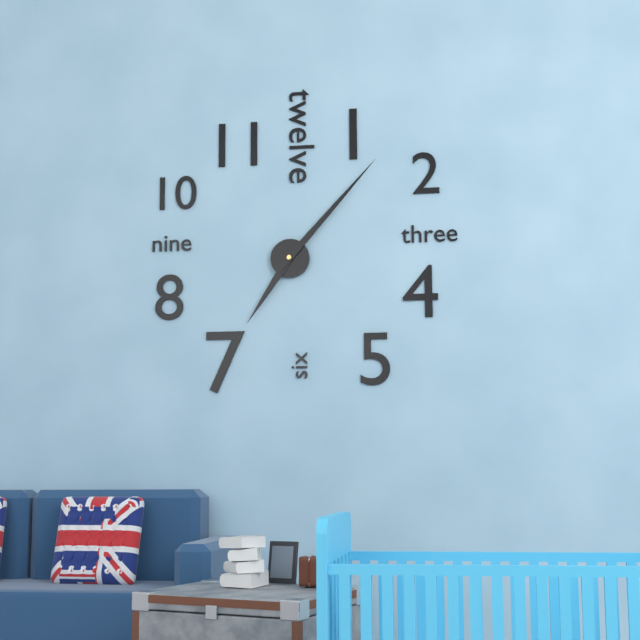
7h07
